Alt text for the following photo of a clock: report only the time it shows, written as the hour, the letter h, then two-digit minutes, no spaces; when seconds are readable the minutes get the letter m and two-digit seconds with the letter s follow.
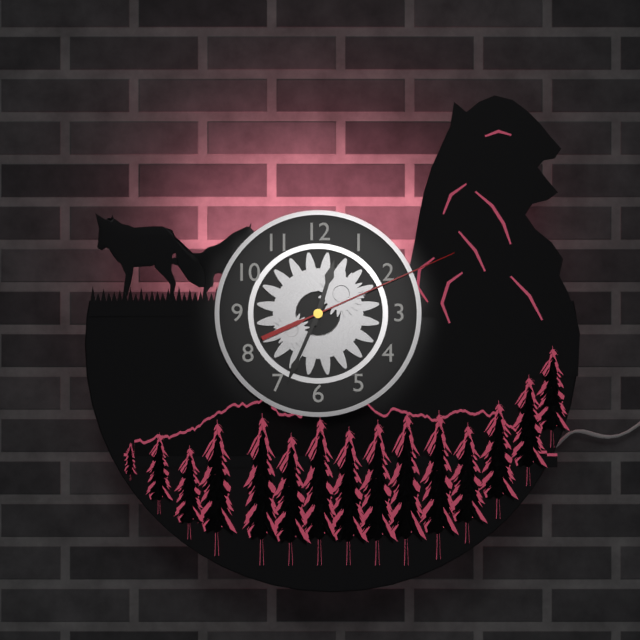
12h34m11s
